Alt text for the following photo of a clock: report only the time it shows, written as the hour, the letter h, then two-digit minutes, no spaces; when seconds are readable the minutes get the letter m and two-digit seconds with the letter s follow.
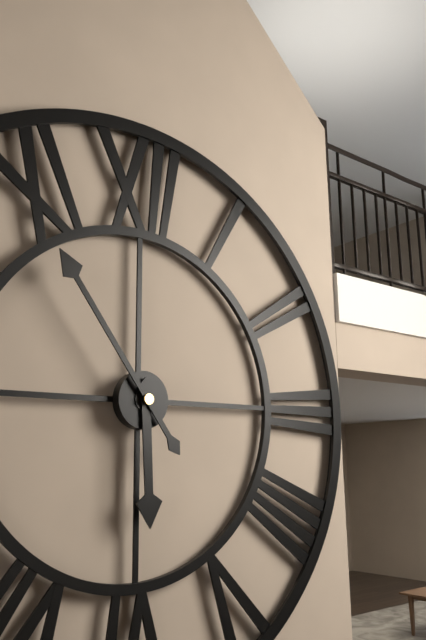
5h54
